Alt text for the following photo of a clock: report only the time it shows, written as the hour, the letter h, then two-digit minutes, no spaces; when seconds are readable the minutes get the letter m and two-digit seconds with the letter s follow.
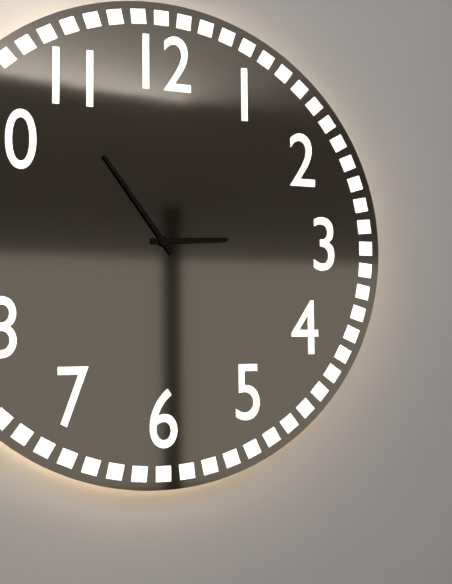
2h54
